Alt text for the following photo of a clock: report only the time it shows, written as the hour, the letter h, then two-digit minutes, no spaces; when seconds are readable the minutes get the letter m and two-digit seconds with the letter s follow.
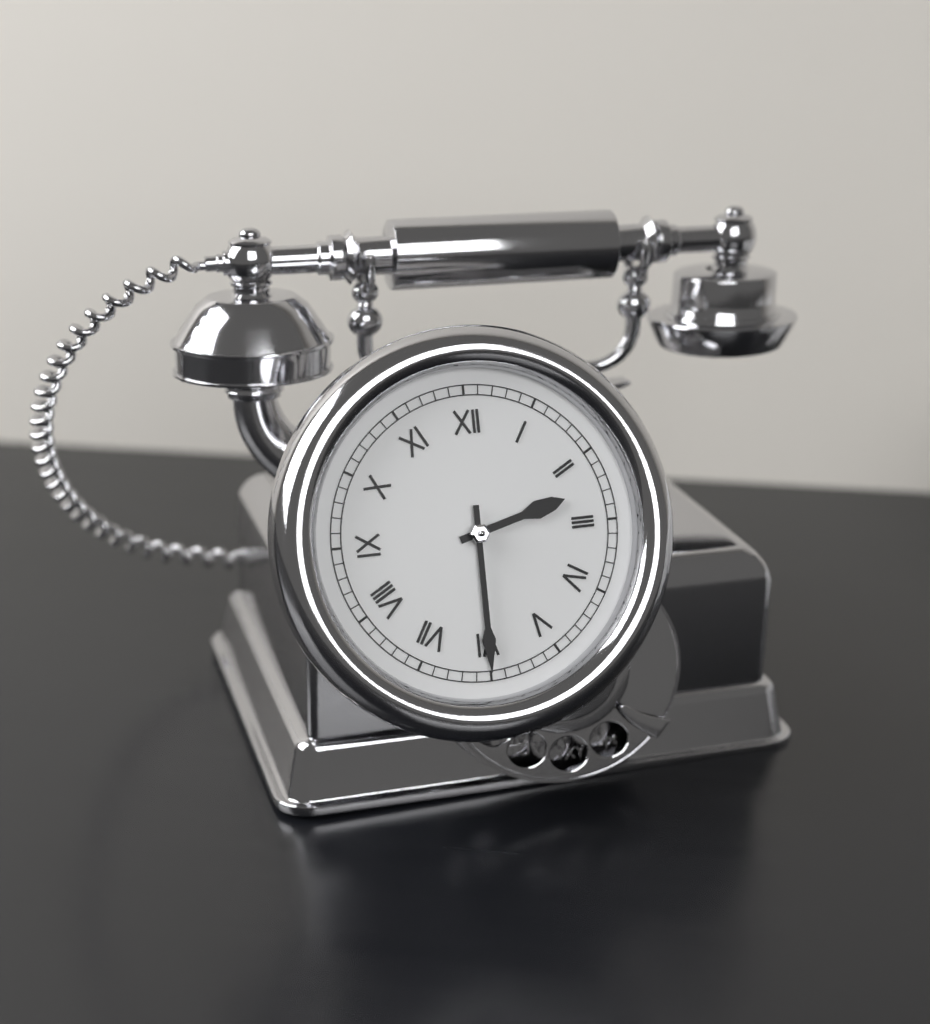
2h30
